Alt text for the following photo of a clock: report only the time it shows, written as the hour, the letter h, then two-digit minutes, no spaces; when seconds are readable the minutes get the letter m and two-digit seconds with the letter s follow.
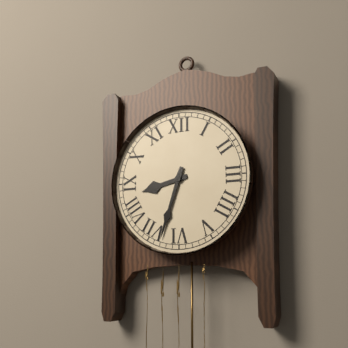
8h33
